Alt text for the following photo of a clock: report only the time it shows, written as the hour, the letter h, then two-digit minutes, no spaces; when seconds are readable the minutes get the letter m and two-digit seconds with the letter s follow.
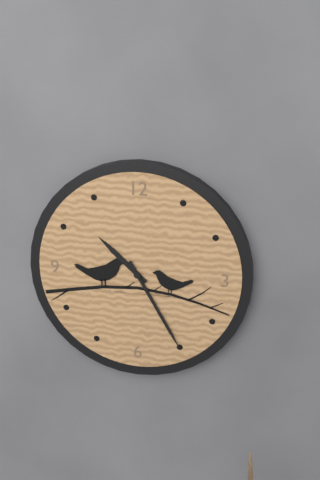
10h25
